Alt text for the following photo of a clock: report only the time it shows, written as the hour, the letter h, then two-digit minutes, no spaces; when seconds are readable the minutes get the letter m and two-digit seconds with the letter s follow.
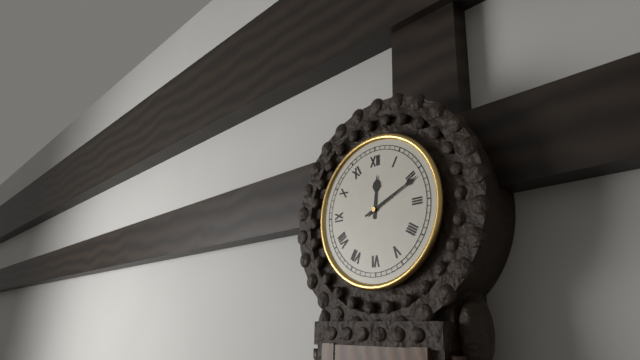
12h11
